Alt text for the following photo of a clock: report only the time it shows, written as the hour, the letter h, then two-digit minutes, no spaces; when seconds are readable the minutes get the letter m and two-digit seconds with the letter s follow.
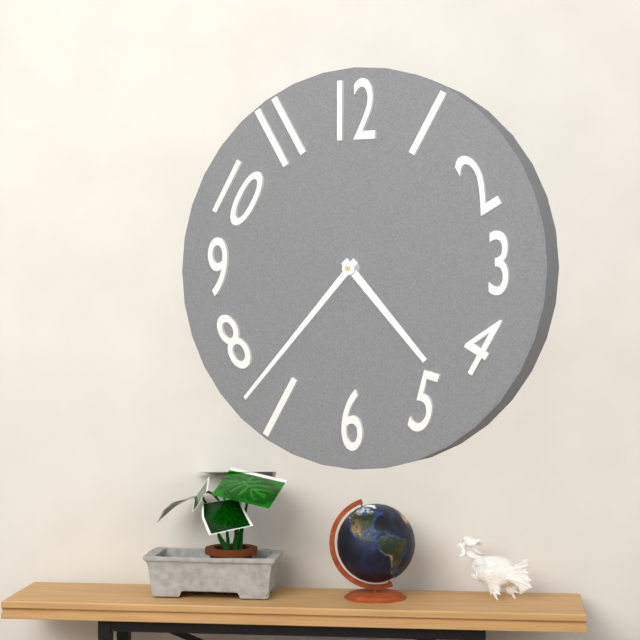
4h37
